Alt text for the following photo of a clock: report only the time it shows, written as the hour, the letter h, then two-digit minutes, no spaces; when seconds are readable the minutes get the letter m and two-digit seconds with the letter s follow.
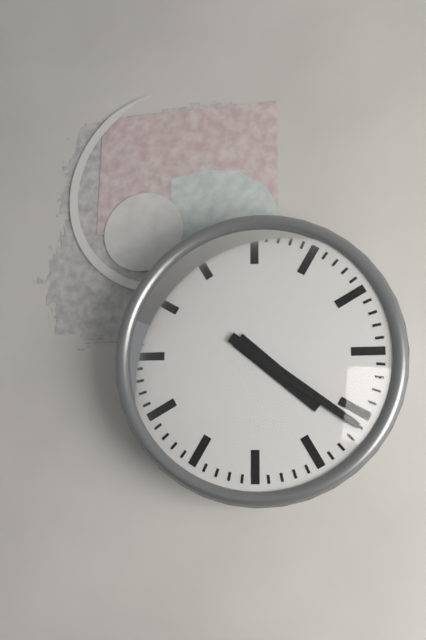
4h21
